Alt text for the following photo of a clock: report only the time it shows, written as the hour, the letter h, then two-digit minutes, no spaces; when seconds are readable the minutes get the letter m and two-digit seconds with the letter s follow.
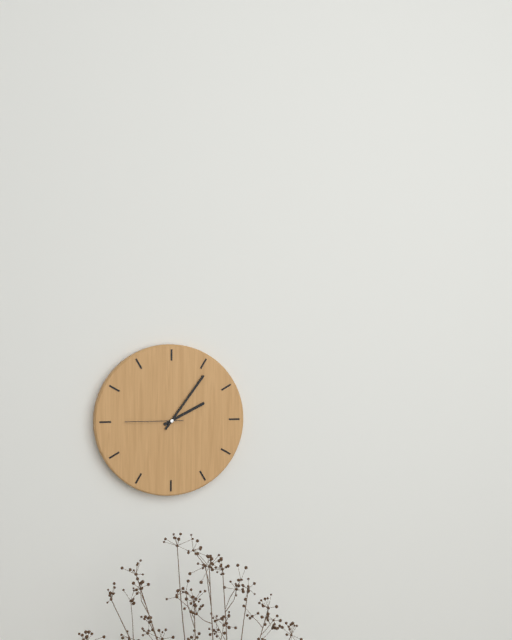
2h06m45s
